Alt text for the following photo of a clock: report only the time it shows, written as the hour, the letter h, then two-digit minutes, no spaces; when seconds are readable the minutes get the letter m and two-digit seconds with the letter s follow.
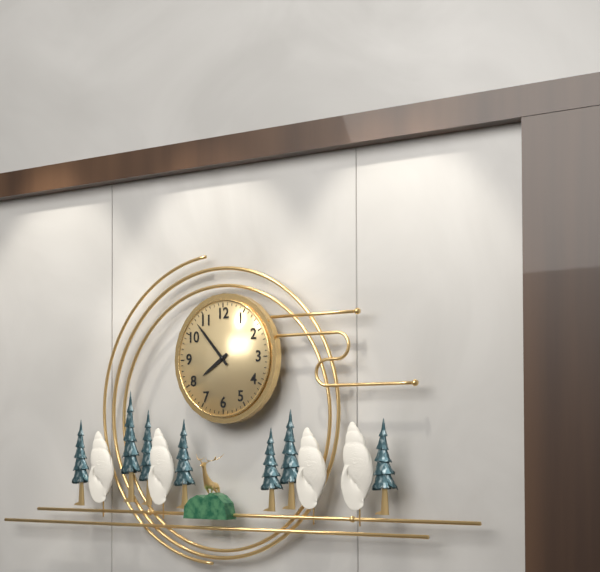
7h53
